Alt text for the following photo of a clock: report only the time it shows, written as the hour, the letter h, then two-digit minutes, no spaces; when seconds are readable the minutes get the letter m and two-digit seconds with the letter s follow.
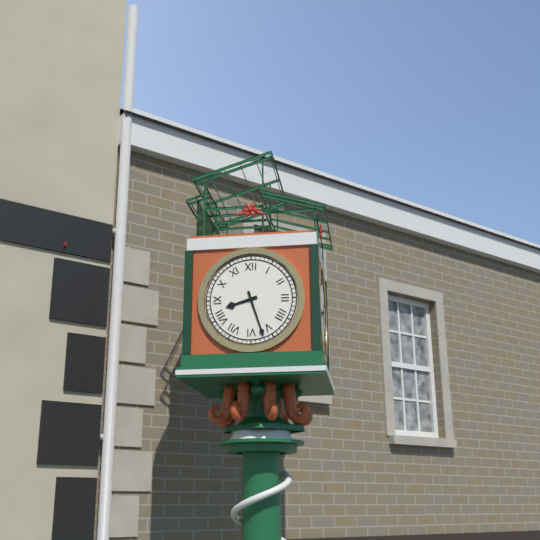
8h27
